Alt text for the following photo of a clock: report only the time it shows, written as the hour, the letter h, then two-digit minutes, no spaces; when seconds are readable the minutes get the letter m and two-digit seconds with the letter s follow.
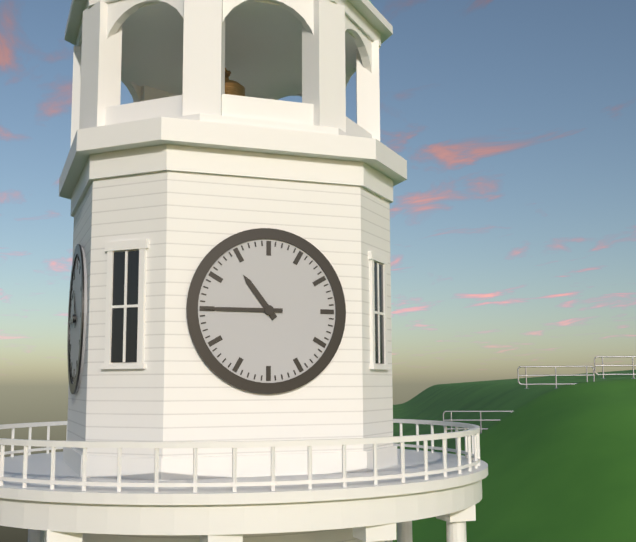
10h45
